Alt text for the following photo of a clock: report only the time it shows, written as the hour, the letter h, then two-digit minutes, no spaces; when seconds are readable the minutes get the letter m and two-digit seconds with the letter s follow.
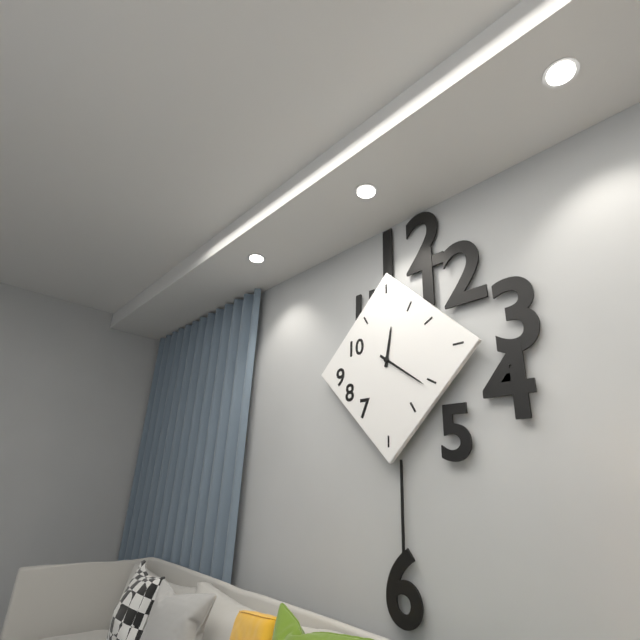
12h21
